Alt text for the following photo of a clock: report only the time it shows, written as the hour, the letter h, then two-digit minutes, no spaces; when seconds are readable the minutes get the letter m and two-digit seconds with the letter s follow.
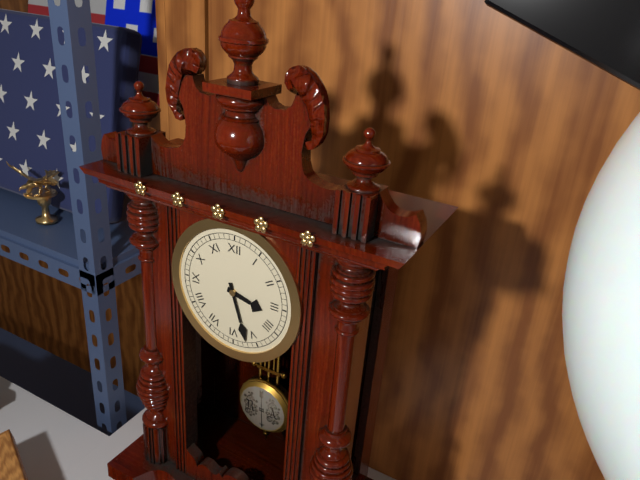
3h27
